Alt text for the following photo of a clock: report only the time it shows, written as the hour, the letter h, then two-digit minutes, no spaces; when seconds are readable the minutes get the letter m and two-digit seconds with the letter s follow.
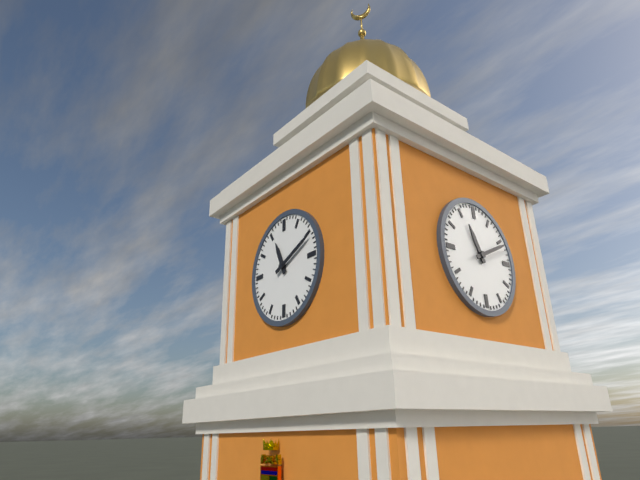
11h11
